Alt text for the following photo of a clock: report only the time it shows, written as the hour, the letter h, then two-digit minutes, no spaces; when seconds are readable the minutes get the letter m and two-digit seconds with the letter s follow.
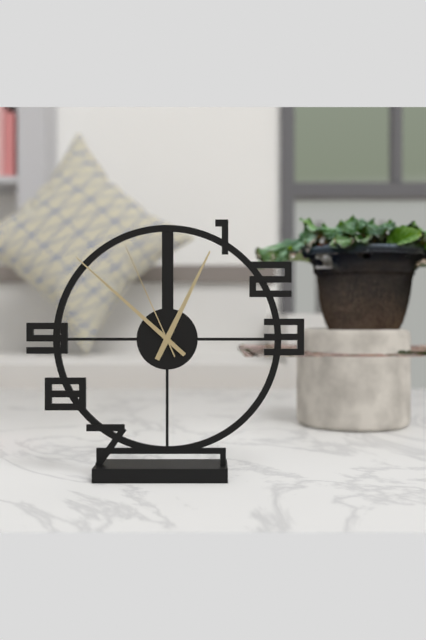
12h52m56s
